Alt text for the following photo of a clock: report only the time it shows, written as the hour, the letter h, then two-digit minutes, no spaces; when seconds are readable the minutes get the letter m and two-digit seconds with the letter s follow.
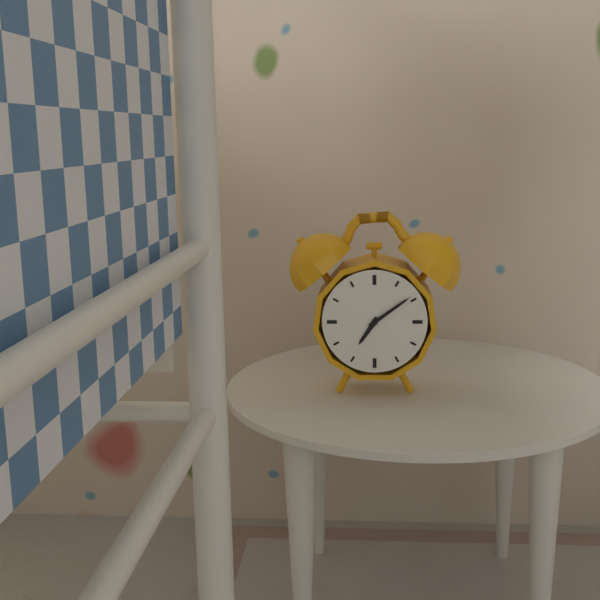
7h09
